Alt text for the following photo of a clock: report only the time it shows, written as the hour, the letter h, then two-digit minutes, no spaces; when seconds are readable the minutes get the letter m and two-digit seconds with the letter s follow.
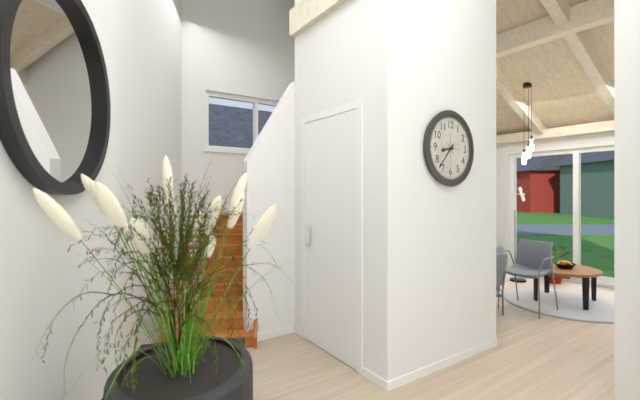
8h37
